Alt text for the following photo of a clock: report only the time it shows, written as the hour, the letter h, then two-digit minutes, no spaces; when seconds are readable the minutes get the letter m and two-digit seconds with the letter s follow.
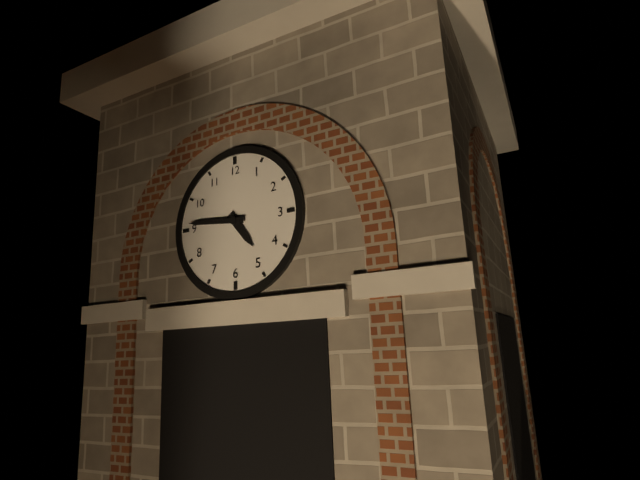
4h46
